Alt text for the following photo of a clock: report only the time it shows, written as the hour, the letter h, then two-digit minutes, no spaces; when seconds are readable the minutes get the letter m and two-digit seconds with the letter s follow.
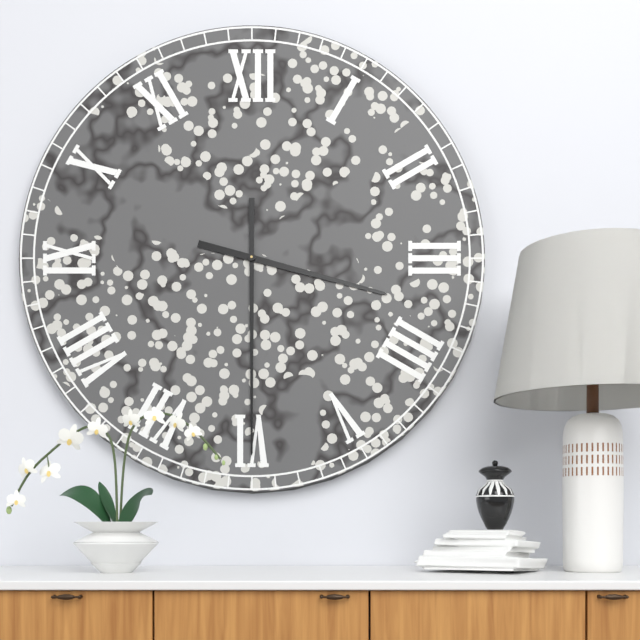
3h30
